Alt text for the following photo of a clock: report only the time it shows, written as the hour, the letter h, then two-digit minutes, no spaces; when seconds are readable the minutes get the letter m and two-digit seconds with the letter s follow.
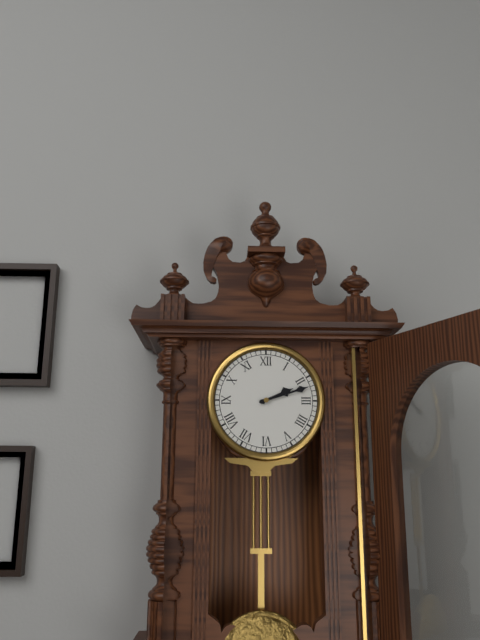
2h12
